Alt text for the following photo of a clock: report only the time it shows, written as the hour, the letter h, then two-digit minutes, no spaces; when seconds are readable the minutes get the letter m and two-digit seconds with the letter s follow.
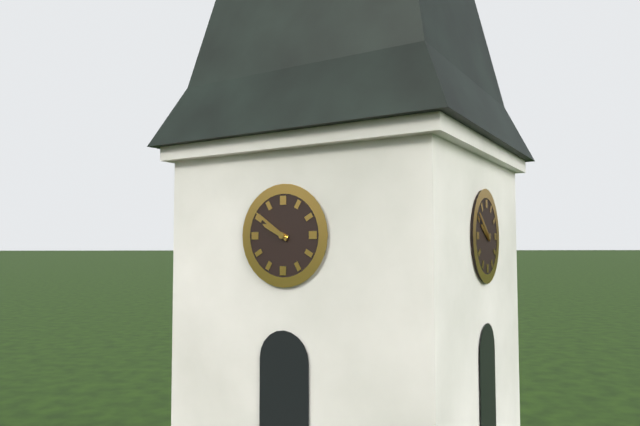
9h51
